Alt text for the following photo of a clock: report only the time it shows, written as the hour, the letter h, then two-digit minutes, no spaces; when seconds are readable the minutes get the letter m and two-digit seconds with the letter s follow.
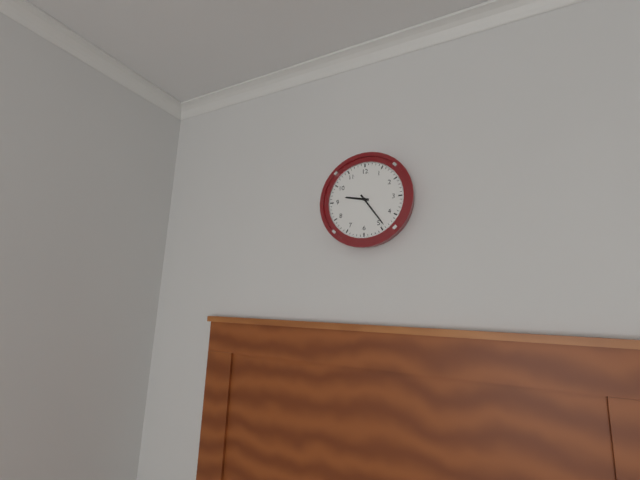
9h24
